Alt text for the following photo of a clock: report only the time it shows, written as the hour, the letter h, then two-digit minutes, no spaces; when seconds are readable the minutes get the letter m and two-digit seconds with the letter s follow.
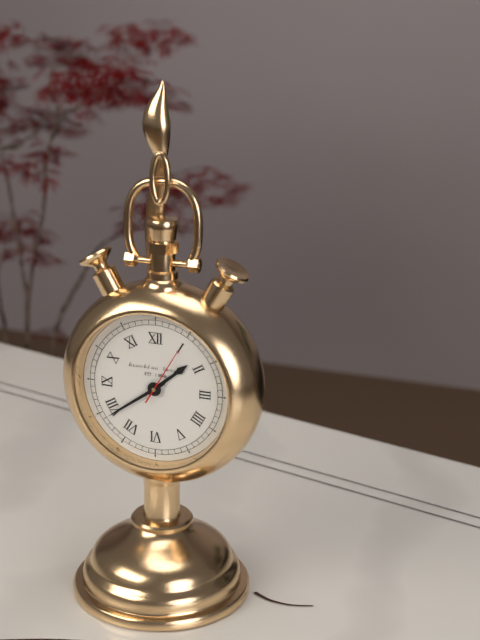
1h39
